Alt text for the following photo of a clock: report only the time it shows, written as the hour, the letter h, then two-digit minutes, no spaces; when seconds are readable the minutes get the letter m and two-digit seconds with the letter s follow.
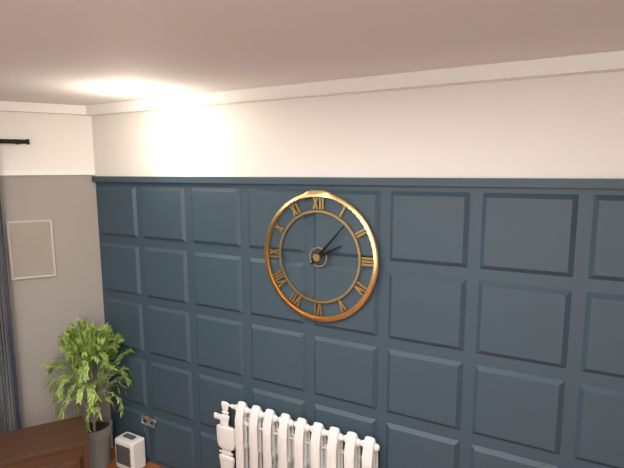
2h07
